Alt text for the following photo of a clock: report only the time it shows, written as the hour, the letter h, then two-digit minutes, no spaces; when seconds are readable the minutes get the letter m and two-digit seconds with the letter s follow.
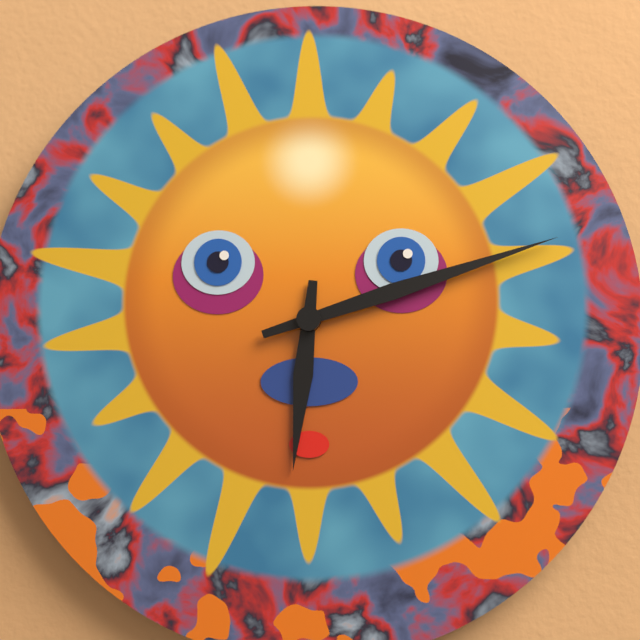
6h12
